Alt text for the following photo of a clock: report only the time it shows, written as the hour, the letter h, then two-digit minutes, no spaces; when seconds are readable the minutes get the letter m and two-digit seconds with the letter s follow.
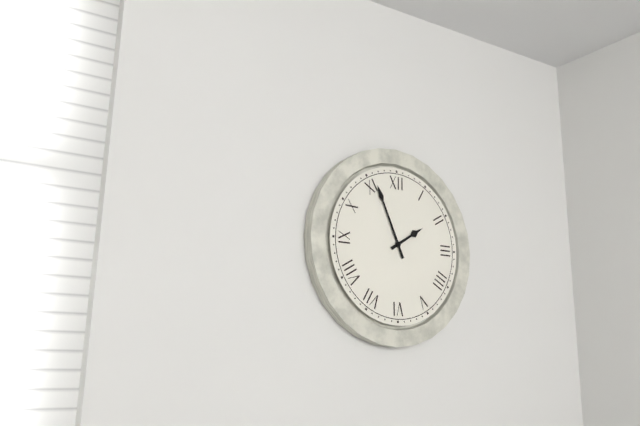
1h56
